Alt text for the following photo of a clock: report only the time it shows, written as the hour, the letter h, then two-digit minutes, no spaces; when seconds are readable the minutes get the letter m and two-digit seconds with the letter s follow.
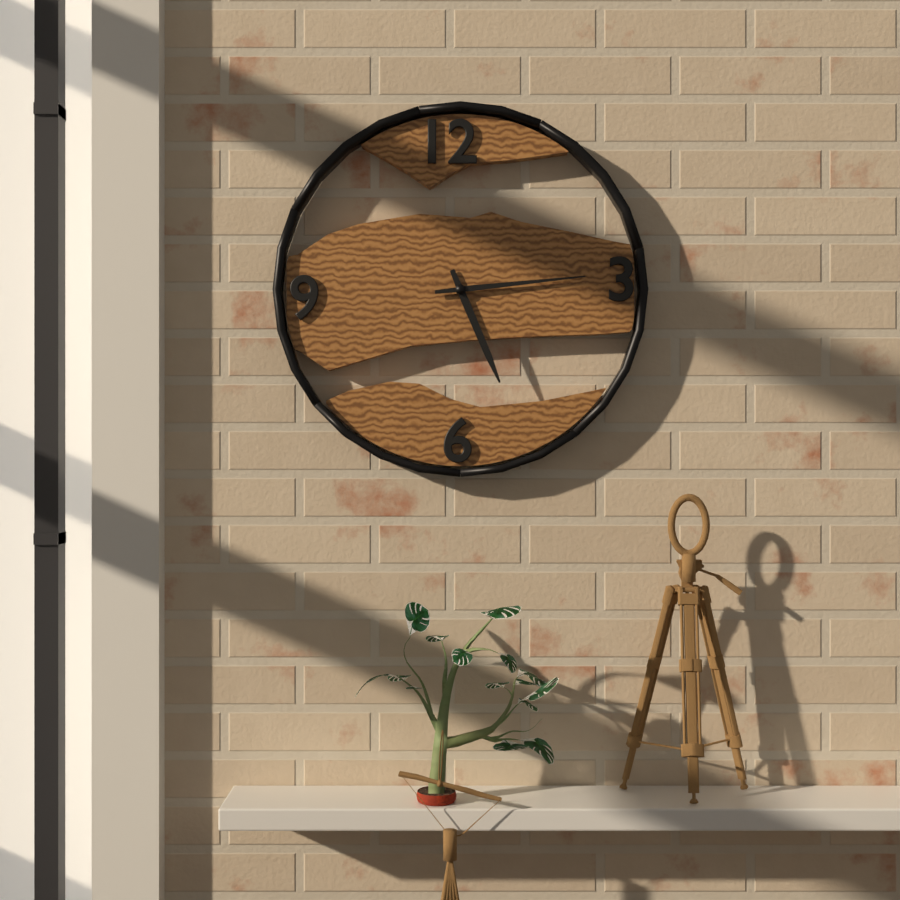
5h14
